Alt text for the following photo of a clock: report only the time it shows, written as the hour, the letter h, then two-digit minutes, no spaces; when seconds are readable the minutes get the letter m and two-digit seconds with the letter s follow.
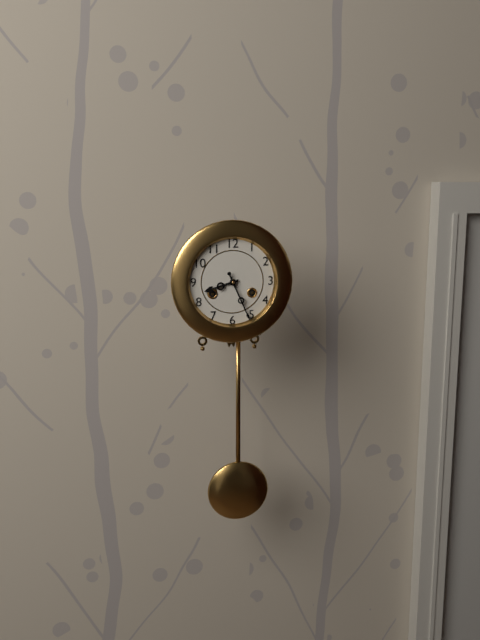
8h26
